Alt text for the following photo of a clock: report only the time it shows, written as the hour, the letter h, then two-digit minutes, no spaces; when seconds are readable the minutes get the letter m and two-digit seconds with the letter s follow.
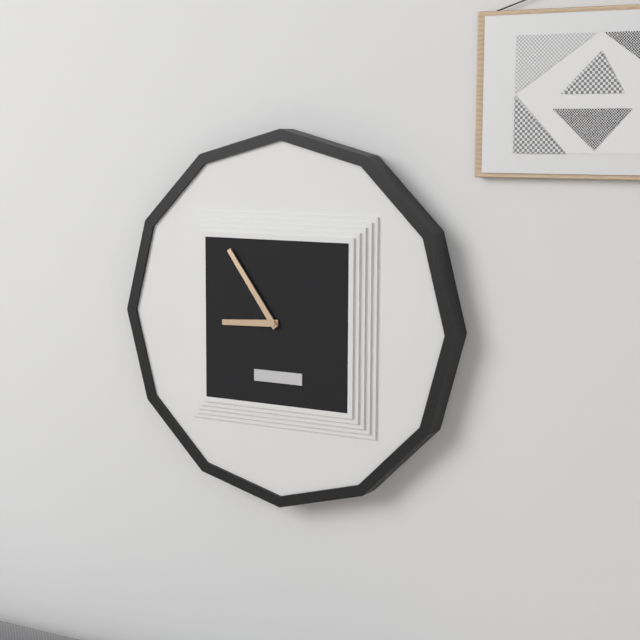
8h54
